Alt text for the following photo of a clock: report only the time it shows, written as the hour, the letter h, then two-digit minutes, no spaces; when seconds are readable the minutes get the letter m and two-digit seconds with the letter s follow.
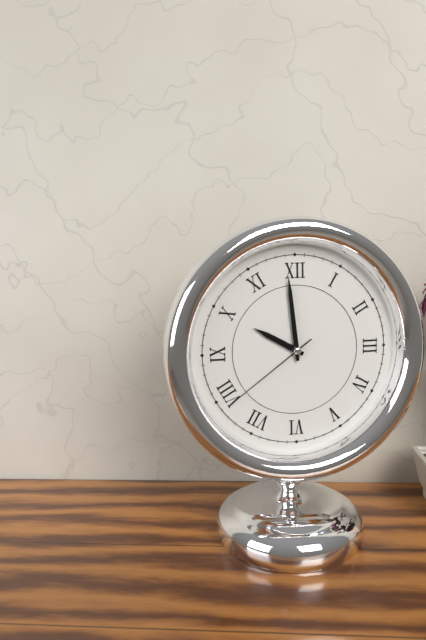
9h59m39s
